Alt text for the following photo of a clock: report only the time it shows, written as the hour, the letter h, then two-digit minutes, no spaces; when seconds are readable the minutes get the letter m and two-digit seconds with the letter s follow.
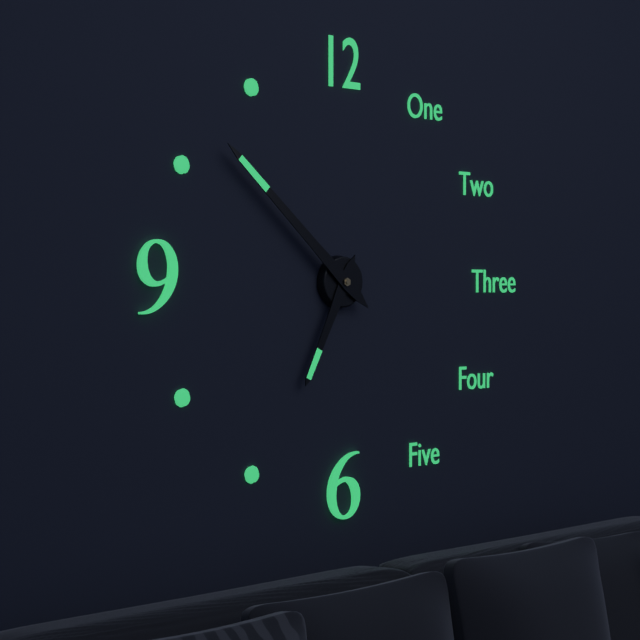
6h52
